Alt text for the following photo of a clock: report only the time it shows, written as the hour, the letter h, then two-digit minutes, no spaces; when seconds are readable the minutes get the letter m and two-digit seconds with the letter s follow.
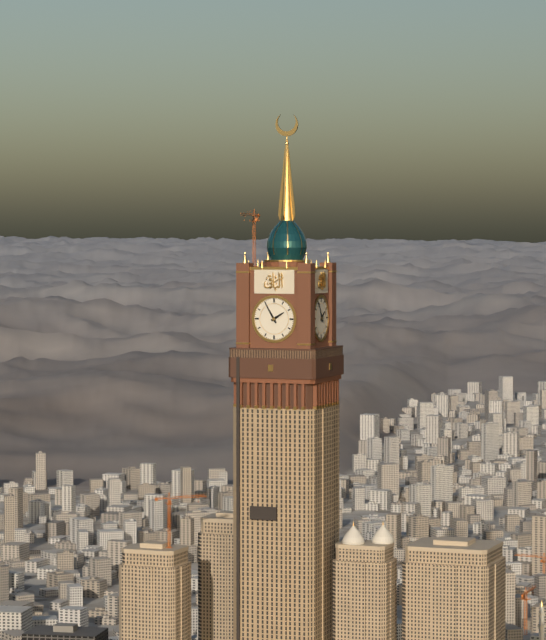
1h55
